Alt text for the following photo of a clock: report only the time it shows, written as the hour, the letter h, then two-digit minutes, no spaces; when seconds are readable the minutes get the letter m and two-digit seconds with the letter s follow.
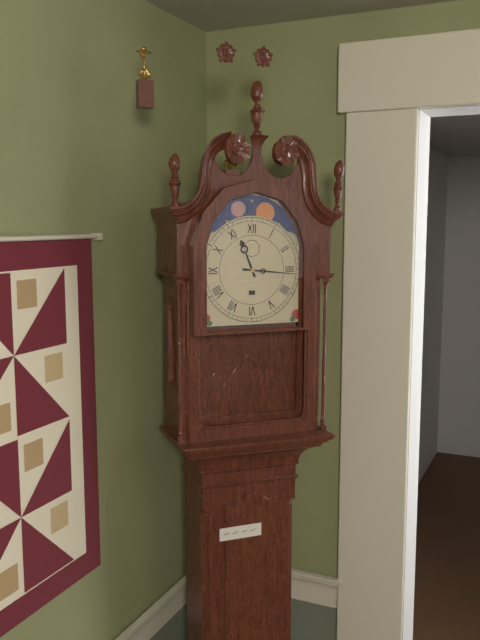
11h16
